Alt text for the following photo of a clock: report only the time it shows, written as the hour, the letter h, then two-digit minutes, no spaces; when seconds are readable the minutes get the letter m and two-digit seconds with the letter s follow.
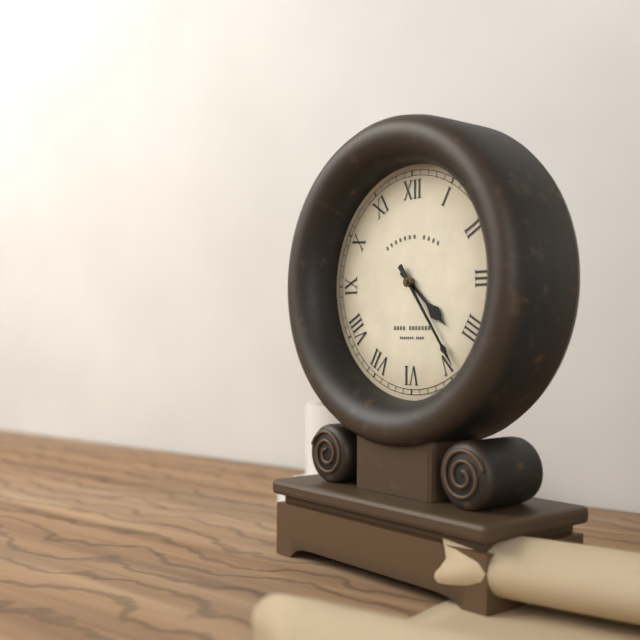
4h24
